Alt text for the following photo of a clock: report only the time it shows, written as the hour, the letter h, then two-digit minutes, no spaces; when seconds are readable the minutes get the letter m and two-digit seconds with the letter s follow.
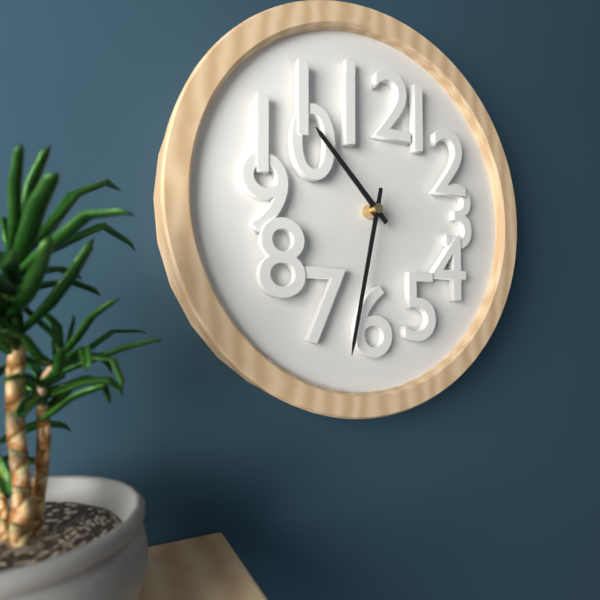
10h32
